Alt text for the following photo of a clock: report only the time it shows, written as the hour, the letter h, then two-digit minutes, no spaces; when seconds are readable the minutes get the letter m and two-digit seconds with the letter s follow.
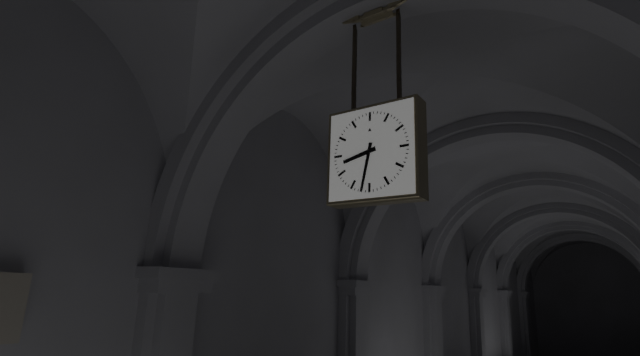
8h32
